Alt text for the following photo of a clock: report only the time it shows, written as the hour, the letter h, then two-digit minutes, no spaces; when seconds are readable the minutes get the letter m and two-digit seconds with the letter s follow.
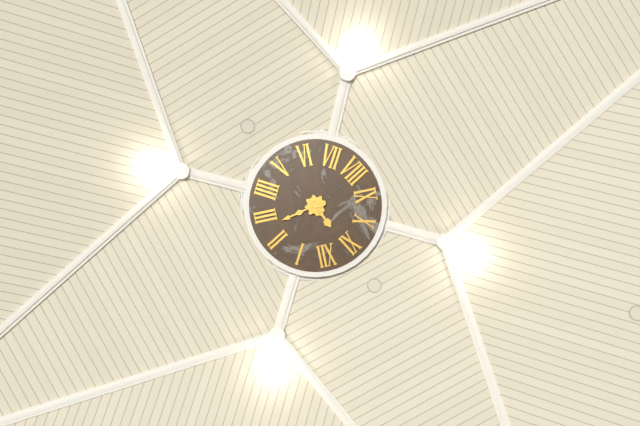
11h13
